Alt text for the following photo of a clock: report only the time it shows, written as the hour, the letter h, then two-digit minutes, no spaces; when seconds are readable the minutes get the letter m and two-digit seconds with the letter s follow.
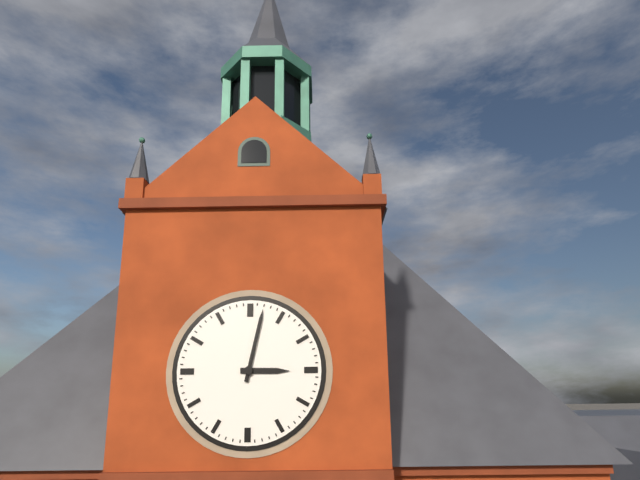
3h02
